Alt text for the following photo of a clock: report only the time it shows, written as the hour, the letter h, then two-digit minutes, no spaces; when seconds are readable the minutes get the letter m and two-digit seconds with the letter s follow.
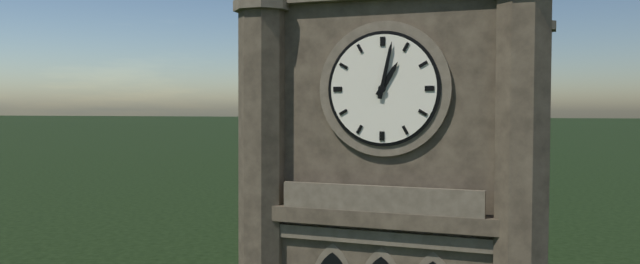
1h02
